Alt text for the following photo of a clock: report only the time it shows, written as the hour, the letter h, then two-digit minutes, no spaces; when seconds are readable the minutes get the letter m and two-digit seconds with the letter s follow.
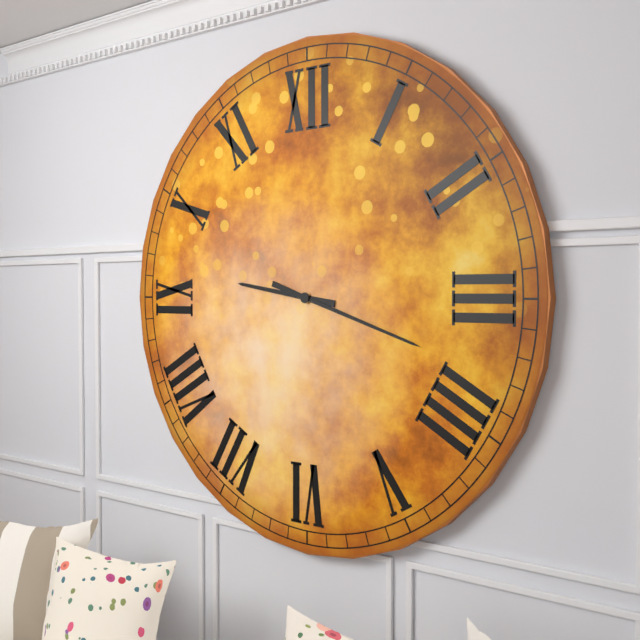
9h18
